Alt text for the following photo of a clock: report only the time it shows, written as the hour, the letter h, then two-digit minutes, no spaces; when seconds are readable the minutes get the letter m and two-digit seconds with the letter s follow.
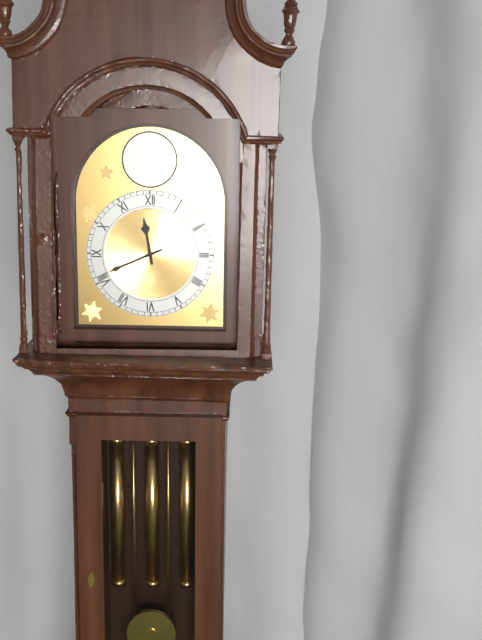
11h41
